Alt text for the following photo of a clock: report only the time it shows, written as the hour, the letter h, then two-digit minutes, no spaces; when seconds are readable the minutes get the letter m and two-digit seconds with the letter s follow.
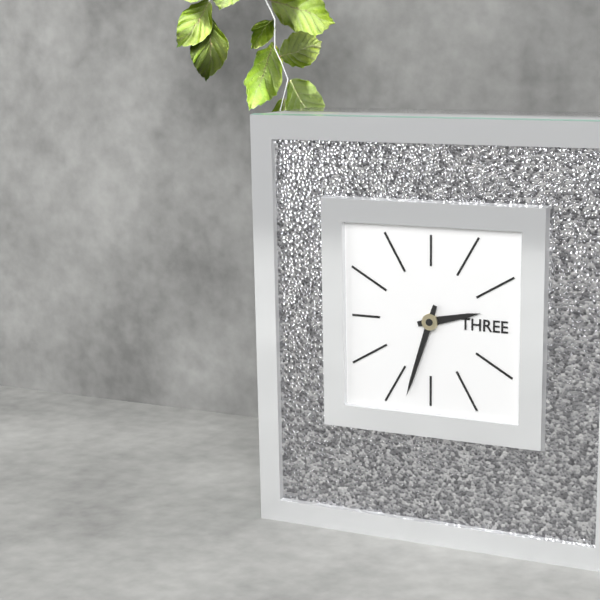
2h33
